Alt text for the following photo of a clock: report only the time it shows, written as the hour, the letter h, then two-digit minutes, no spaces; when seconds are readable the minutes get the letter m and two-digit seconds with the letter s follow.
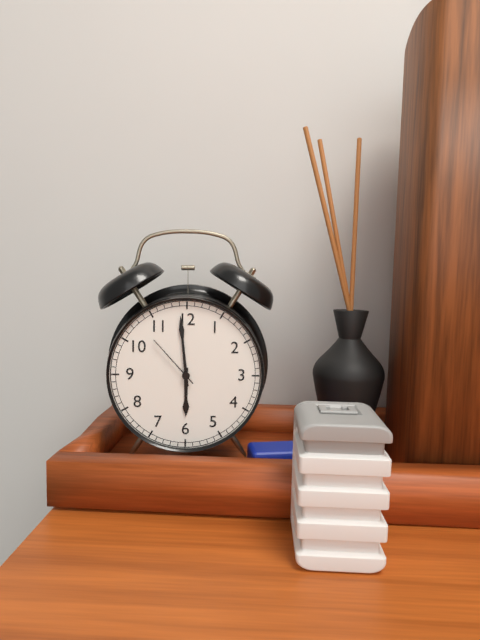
5h59m53s
